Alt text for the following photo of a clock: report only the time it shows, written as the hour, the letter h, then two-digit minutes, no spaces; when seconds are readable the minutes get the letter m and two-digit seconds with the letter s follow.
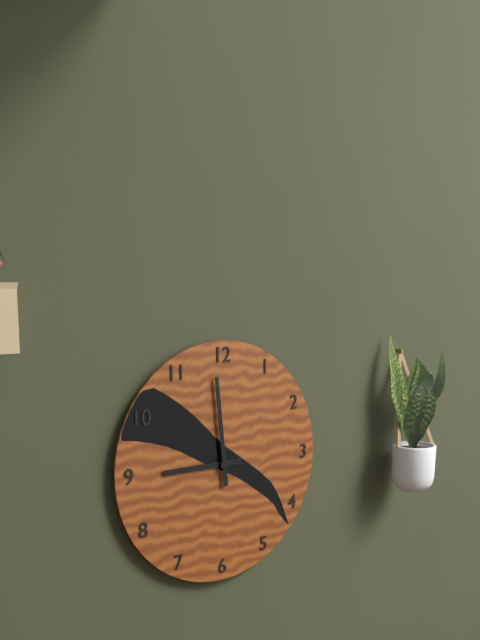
8h59
